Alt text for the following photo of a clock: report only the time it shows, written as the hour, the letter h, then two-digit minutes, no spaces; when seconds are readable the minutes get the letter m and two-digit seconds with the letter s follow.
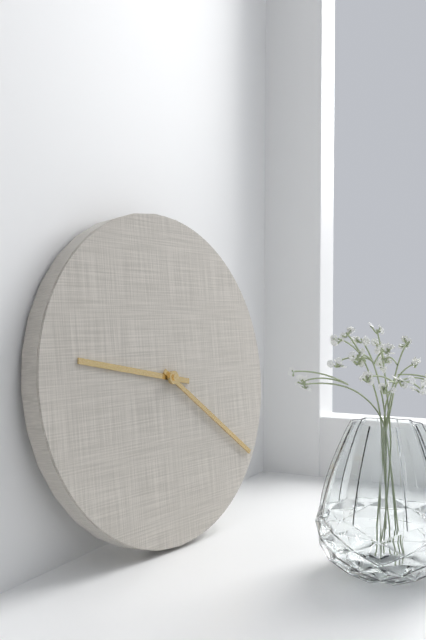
9h21
